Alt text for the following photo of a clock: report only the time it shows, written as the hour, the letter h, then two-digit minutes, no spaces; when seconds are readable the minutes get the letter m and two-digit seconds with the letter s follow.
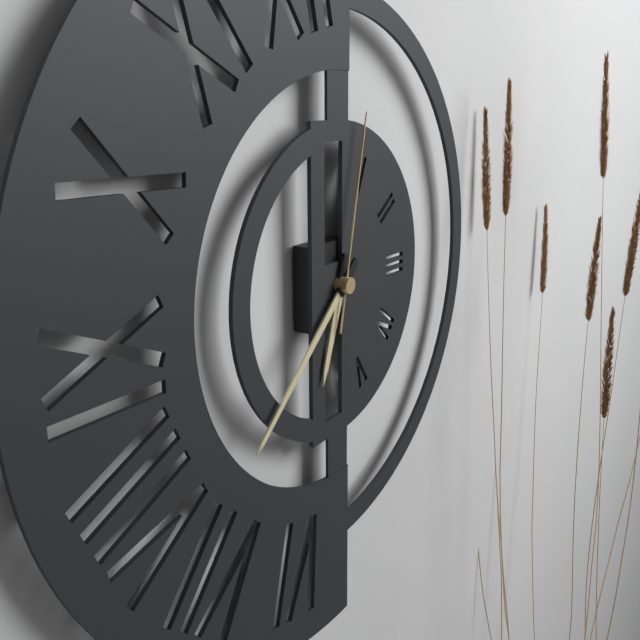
6h38m02s
